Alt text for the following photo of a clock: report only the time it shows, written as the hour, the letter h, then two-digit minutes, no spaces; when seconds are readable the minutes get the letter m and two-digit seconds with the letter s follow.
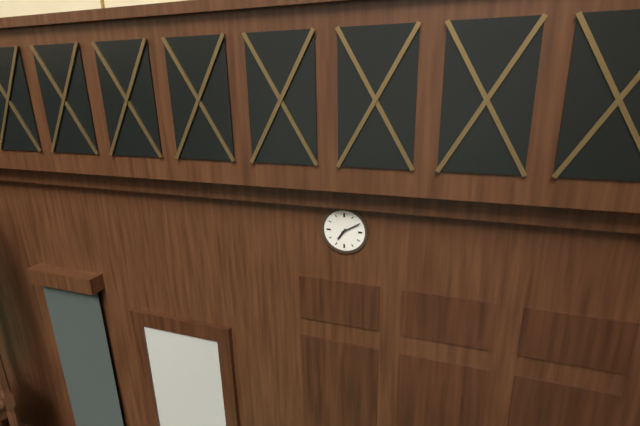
7h10
